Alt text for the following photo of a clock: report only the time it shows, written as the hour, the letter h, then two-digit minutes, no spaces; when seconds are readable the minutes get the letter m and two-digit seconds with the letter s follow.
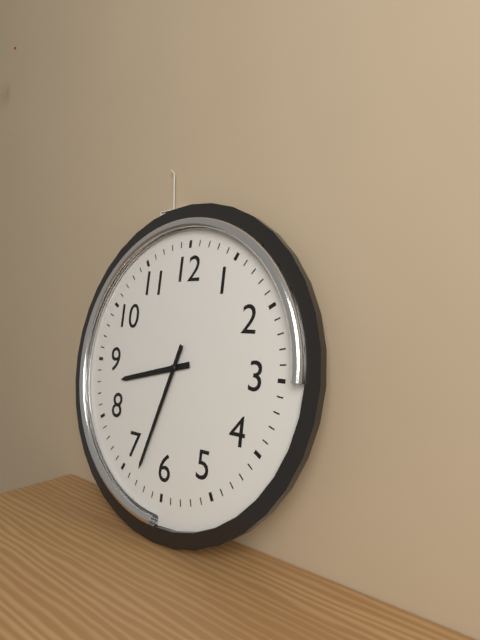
8h33
